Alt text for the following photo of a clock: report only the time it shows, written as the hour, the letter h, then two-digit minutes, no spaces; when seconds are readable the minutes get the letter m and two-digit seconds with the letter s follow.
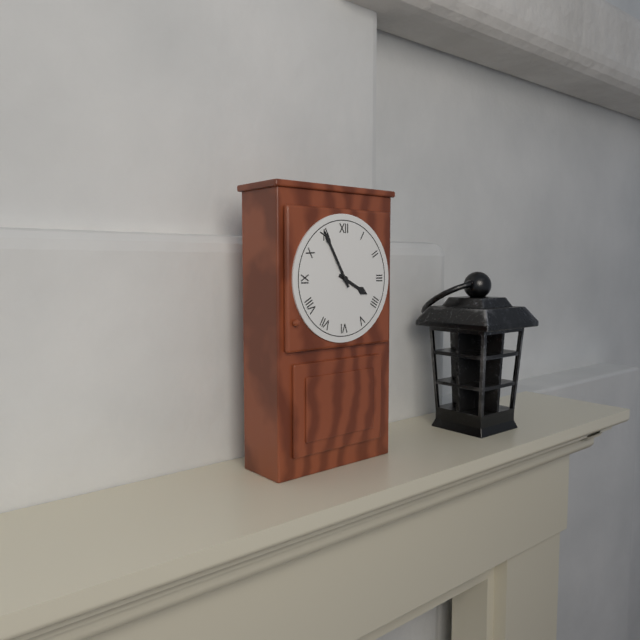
3h55
